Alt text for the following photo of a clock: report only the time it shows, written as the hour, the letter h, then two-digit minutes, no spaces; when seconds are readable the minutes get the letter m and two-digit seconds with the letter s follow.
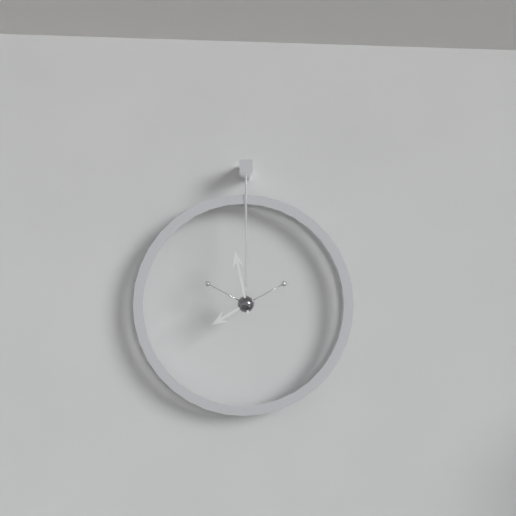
7h58
